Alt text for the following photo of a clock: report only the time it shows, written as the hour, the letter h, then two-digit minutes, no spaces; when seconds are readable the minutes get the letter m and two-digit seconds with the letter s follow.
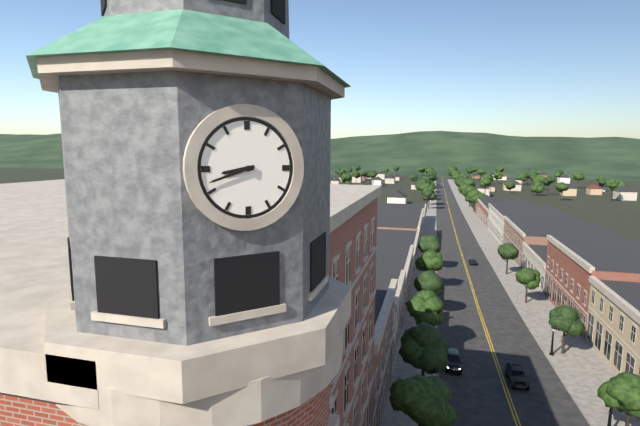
8h42
